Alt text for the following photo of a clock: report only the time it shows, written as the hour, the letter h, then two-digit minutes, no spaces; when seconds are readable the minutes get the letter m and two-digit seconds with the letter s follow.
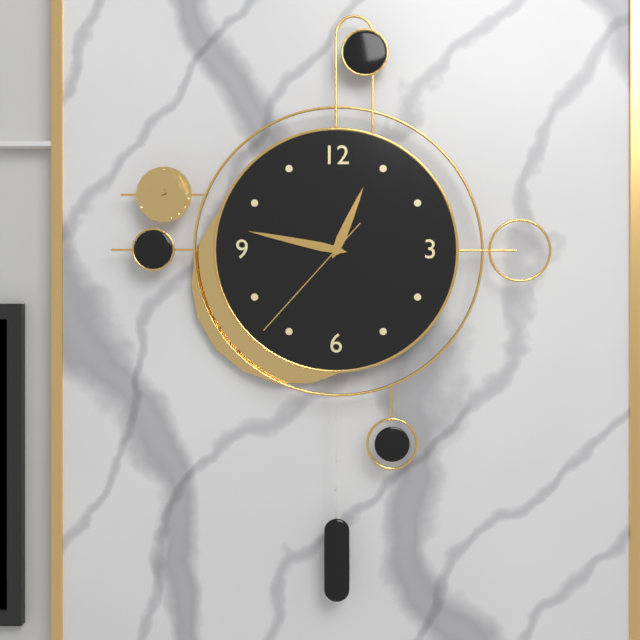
12h47m37s
